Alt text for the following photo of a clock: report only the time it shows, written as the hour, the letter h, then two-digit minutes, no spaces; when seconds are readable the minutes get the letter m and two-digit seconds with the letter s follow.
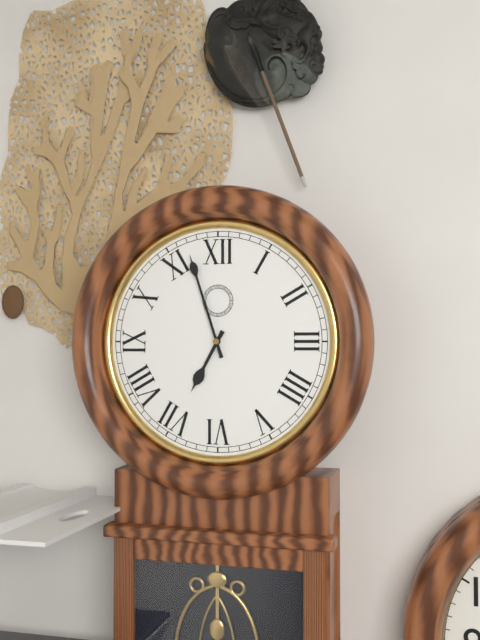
6h57
